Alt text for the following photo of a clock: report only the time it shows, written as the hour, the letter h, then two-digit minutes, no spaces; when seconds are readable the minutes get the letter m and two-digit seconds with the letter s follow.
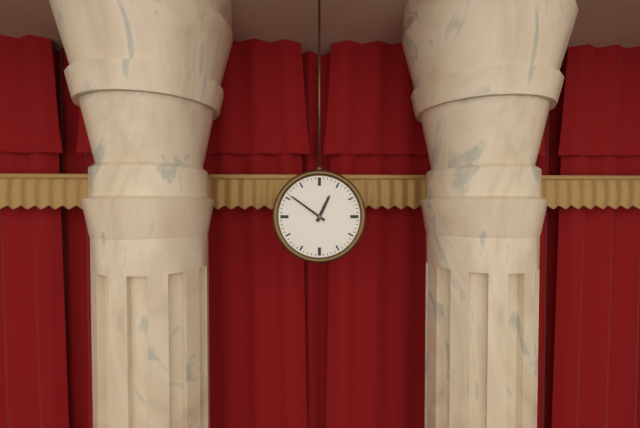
12h51
